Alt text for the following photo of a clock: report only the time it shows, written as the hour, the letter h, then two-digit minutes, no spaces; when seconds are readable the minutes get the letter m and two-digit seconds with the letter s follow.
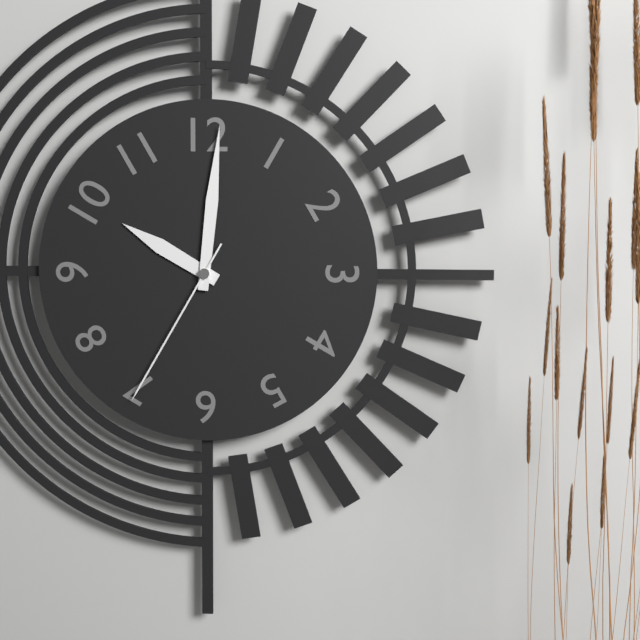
10h01m35s
